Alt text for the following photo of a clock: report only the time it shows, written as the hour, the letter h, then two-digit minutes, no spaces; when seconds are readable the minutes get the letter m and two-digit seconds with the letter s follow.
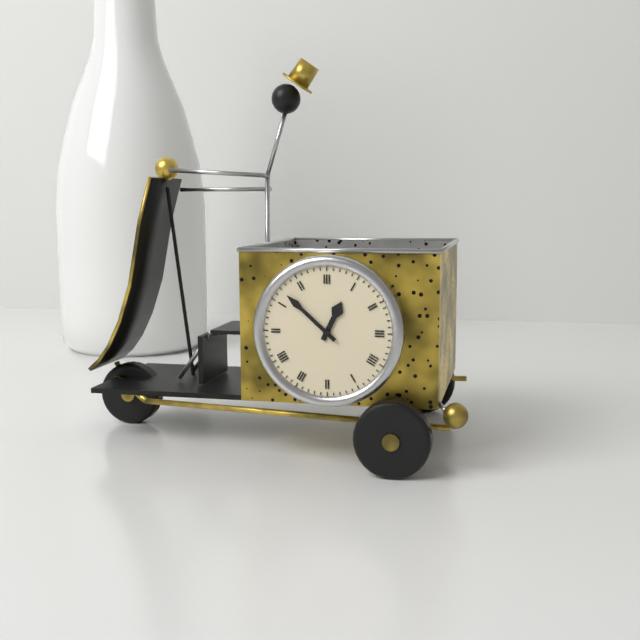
12h52
